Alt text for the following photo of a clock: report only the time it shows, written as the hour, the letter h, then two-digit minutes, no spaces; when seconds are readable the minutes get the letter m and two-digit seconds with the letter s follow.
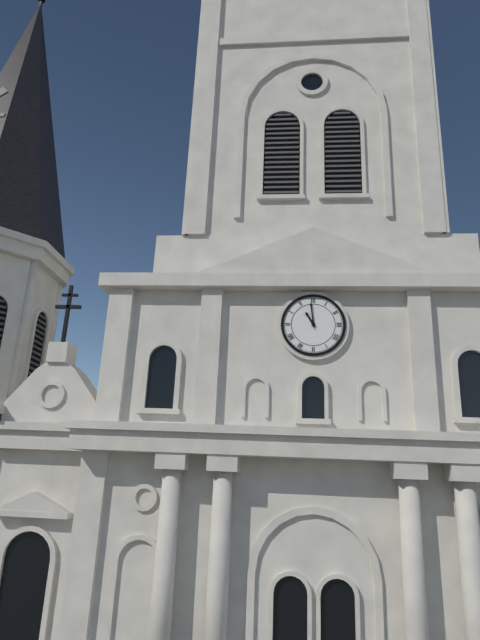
10h59
